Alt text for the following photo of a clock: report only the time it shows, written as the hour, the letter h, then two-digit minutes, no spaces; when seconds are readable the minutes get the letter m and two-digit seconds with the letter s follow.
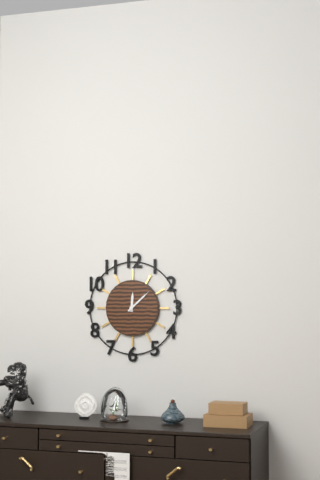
12h08
